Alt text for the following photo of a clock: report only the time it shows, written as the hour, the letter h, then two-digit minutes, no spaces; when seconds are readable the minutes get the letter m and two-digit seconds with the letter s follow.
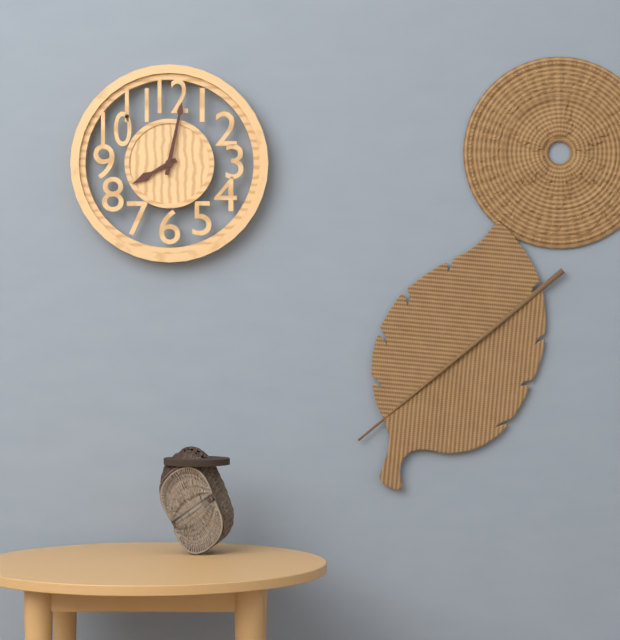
8h02
